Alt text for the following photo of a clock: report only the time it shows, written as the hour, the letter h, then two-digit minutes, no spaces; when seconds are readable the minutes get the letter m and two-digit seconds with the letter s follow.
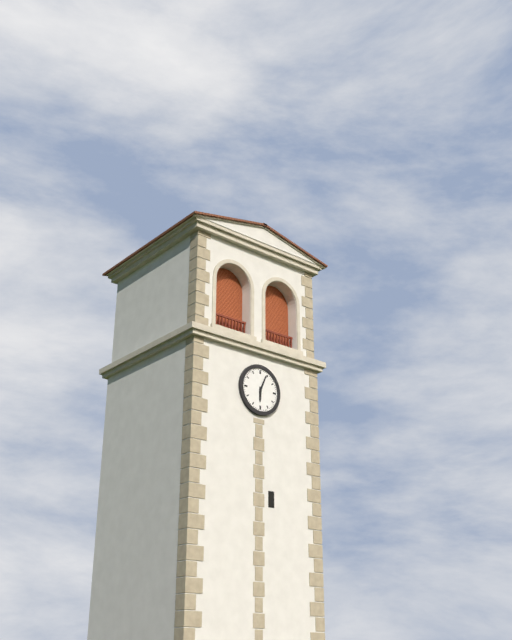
6h04
